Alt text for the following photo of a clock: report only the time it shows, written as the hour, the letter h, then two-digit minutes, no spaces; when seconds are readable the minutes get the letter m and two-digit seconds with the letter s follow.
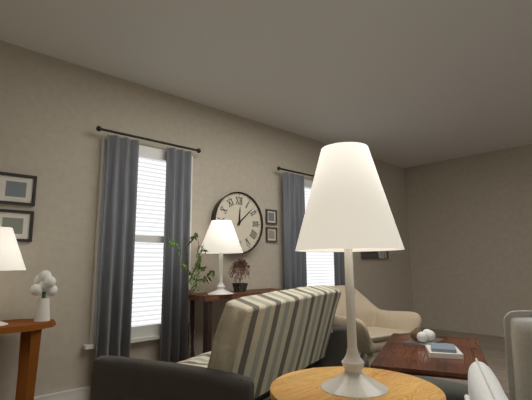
12h08
